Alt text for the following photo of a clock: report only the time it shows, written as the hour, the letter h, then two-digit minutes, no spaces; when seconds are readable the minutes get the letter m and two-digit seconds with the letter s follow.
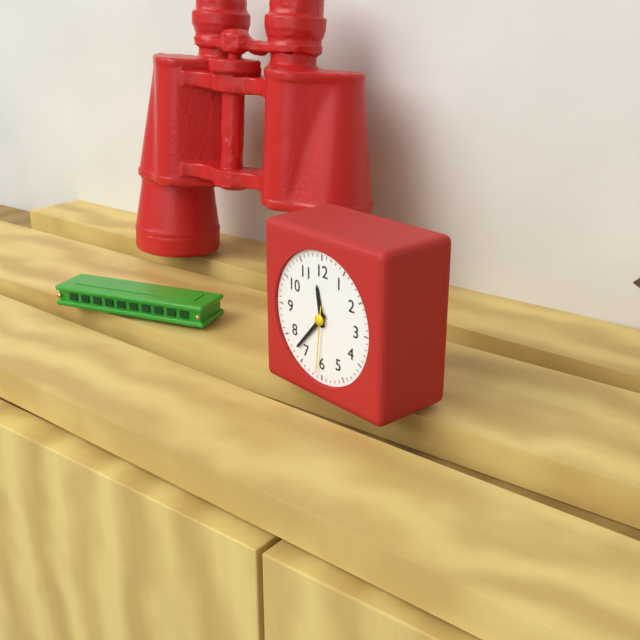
11h37m31s
